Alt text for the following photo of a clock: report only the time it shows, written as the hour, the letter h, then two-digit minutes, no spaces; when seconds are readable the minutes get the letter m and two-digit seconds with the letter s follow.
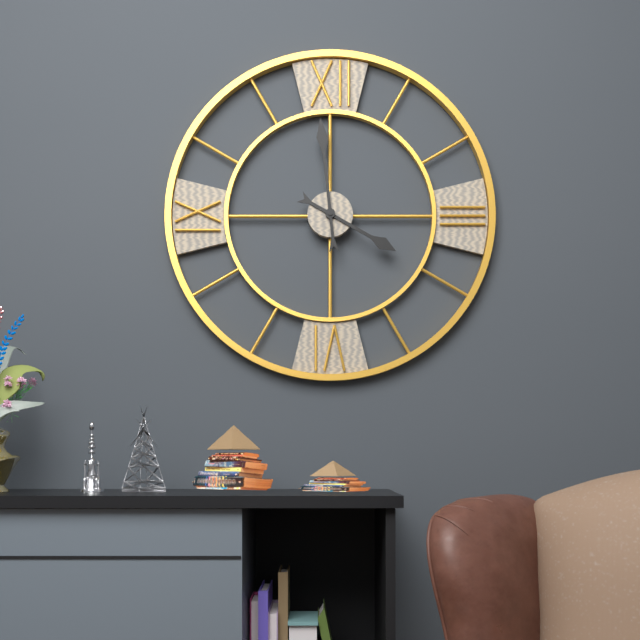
3h59
